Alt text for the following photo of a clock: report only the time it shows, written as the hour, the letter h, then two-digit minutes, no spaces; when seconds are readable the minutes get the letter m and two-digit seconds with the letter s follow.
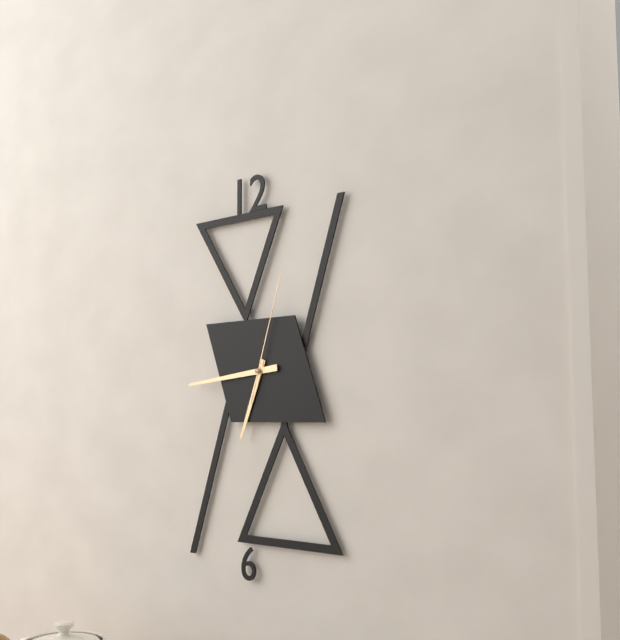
6h44m03s
